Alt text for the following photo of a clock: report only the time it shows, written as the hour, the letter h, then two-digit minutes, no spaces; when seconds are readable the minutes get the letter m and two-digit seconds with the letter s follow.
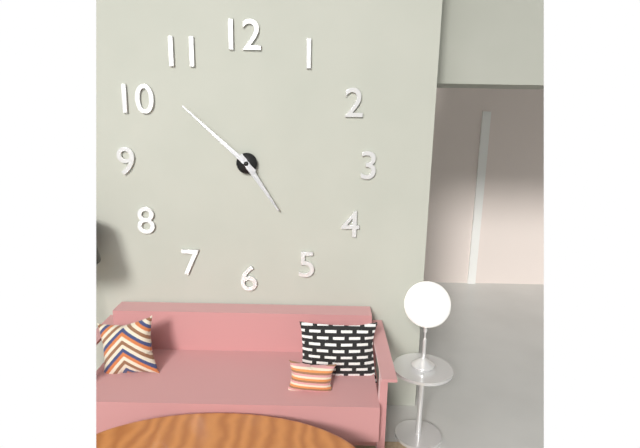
4h52
